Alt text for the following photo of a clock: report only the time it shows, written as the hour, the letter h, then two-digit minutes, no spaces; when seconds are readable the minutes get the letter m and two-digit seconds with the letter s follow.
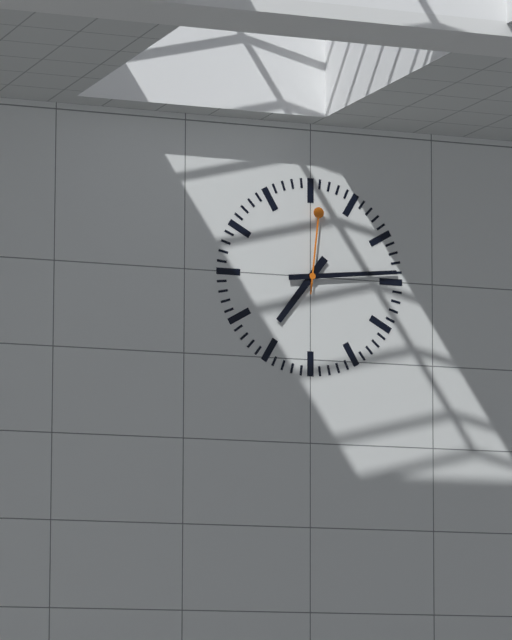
7h14m01s
